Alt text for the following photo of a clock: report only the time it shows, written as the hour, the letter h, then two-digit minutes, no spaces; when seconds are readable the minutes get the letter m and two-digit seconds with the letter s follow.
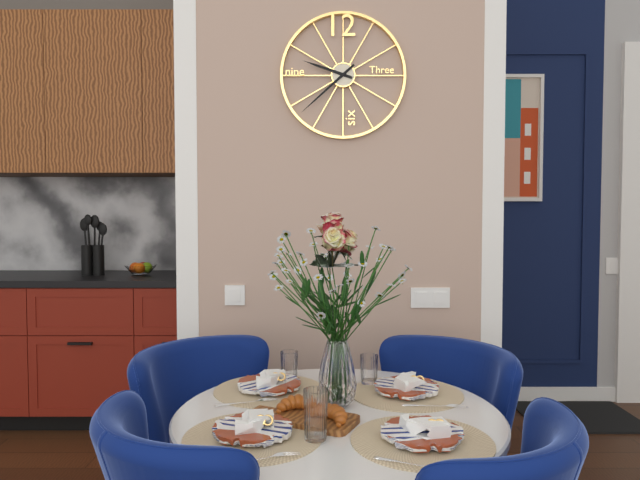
9h38
